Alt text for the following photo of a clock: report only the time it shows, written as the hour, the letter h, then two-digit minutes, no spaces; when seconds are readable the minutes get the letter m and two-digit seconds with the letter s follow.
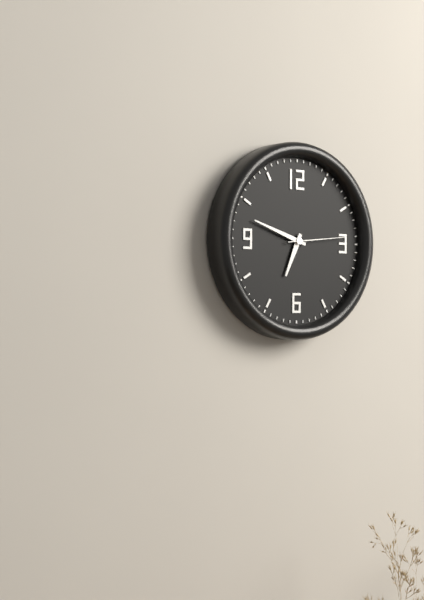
6h48m14s
